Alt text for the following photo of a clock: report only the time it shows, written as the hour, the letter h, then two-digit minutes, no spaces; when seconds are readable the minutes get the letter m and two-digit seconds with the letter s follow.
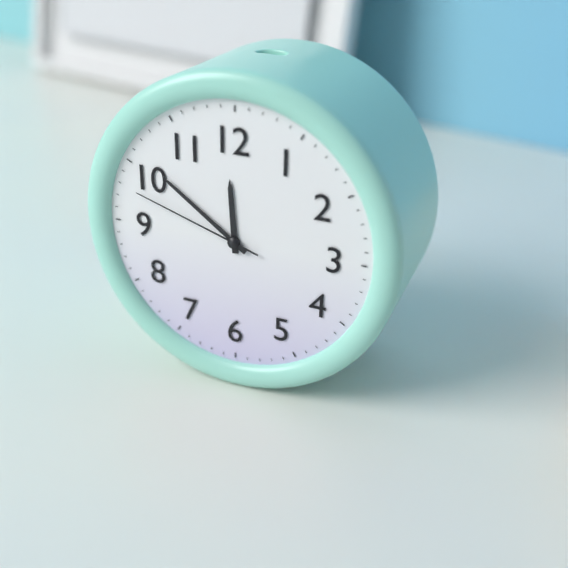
11h51m48s
